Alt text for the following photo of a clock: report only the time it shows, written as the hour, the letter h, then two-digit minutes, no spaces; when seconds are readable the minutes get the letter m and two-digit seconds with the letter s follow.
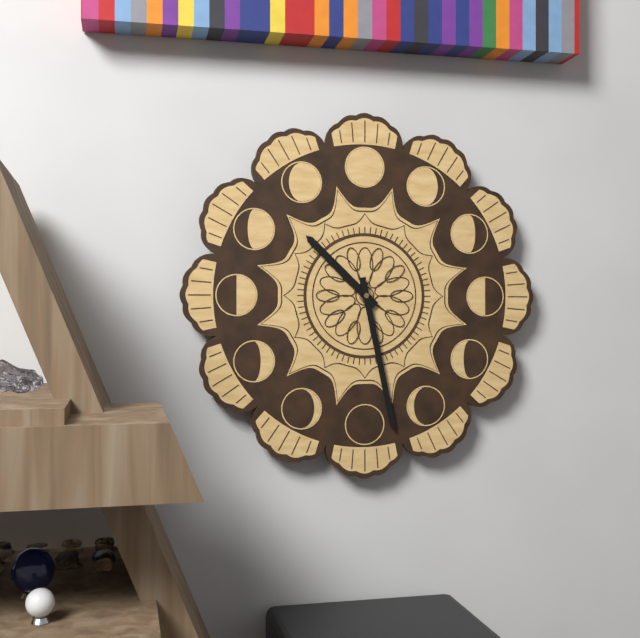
10h28
